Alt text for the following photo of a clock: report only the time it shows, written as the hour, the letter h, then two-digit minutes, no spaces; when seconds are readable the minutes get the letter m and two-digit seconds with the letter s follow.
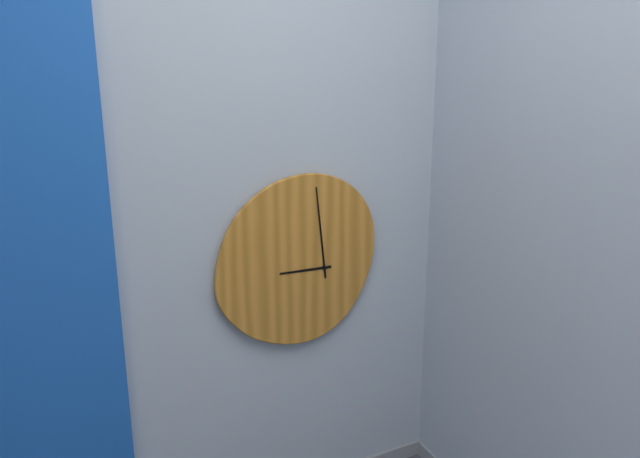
8h59
